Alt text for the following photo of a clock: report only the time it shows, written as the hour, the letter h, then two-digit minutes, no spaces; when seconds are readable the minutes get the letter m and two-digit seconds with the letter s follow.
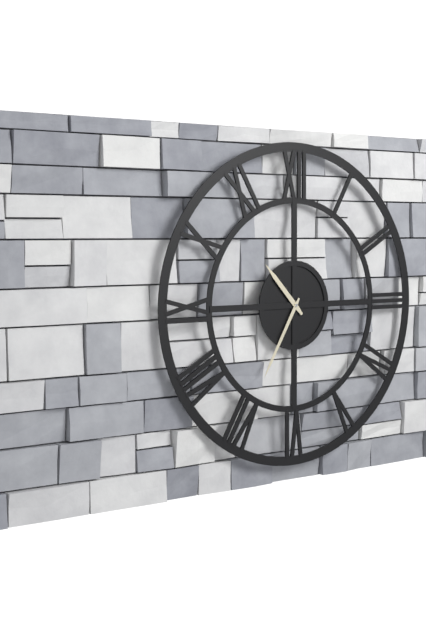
10h35
